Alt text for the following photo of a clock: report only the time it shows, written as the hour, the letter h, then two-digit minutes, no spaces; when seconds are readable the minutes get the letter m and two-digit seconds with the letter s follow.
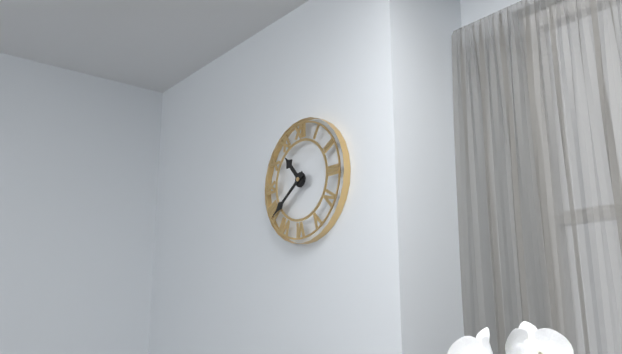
10h39
